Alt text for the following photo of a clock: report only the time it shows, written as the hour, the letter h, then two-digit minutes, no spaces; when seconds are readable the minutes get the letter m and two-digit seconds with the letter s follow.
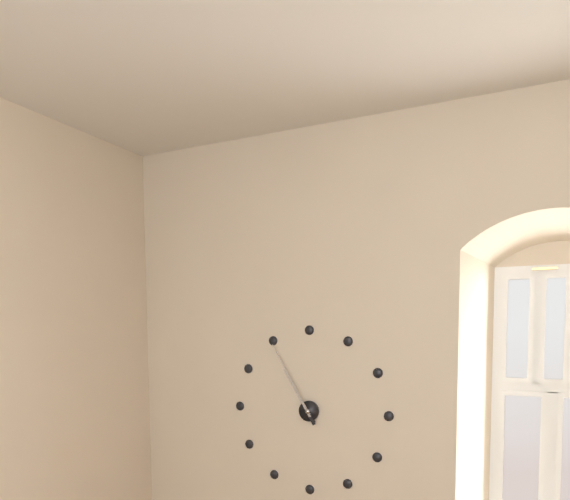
10h55
